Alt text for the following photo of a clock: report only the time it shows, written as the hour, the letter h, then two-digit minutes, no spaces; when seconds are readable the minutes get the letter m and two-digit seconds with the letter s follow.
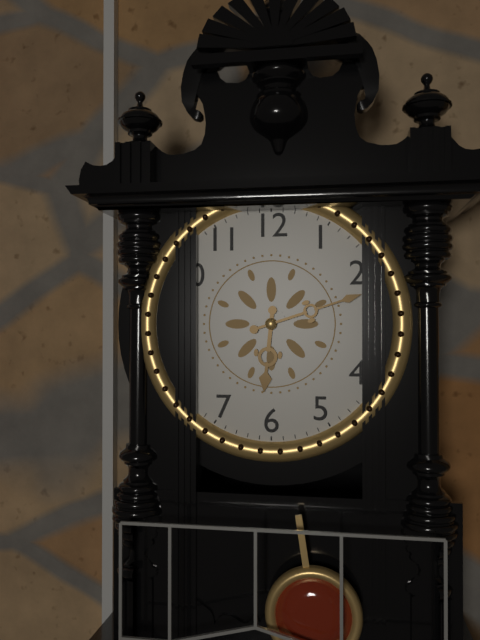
6h12
